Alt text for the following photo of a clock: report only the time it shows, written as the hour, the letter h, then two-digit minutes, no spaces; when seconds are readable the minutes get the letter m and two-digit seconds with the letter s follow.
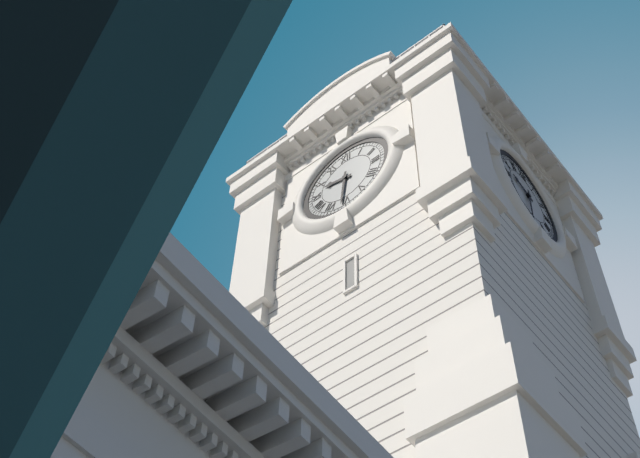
9h31
